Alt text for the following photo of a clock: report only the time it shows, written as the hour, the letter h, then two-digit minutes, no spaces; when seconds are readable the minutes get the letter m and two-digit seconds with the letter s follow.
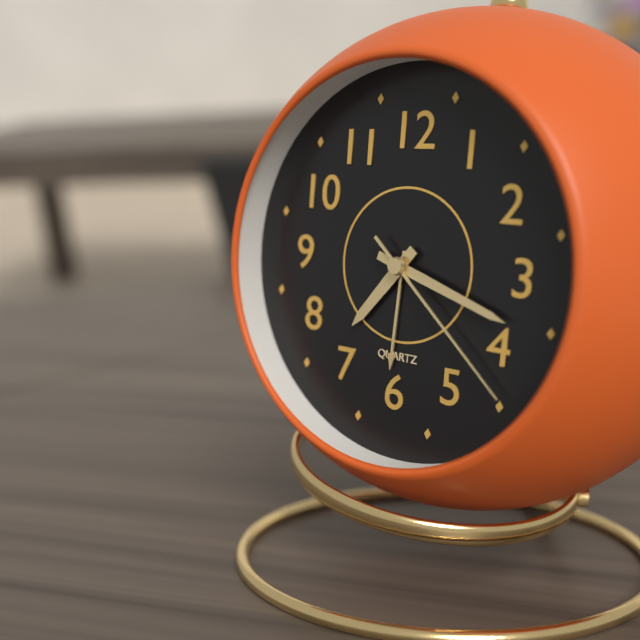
7h18m22s
